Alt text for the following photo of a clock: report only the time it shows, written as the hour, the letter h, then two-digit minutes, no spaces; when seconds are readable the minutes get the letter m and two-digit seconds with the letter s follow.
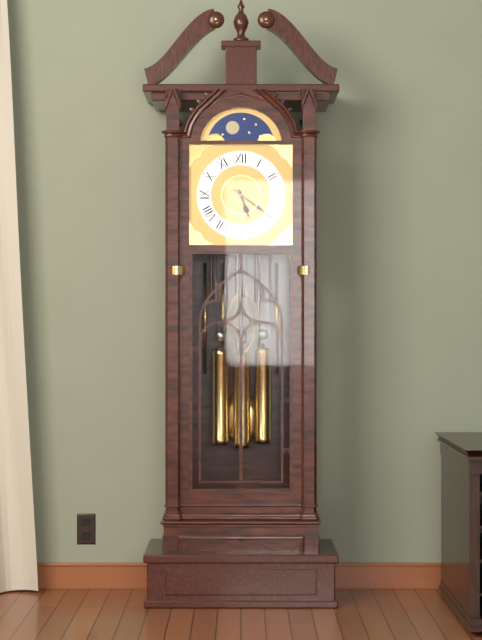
5h21
